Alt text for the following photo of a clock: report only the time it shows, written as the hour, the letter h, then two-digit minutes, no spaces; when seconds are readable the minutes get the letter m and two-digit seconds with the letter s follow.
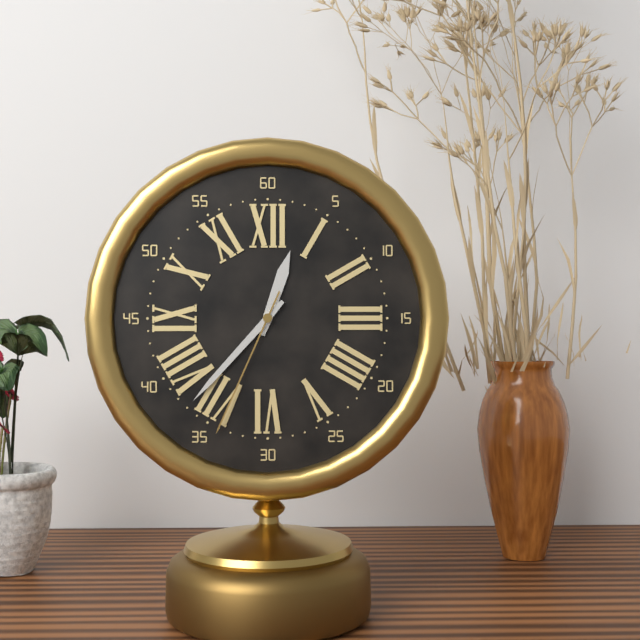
12h37m34s
